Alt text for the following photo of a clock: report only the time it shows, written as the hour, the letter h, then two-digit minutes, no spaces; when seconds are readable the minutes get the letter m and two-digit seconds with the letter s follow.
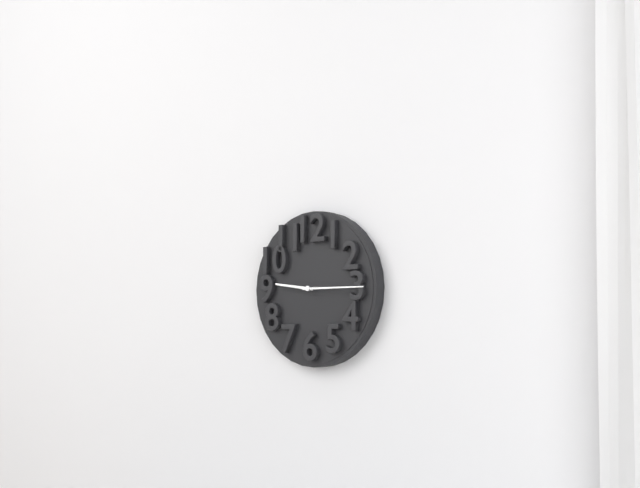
9h15
